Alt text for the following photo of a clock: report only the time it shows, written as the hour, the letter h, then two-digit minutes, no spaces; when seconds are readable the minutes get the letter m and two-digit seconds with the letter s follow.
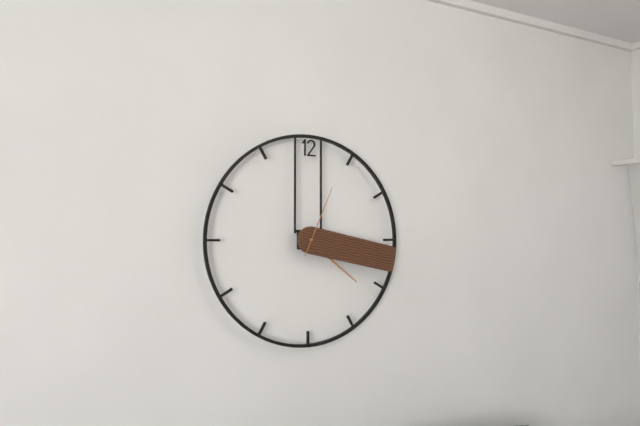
4h17m04s
